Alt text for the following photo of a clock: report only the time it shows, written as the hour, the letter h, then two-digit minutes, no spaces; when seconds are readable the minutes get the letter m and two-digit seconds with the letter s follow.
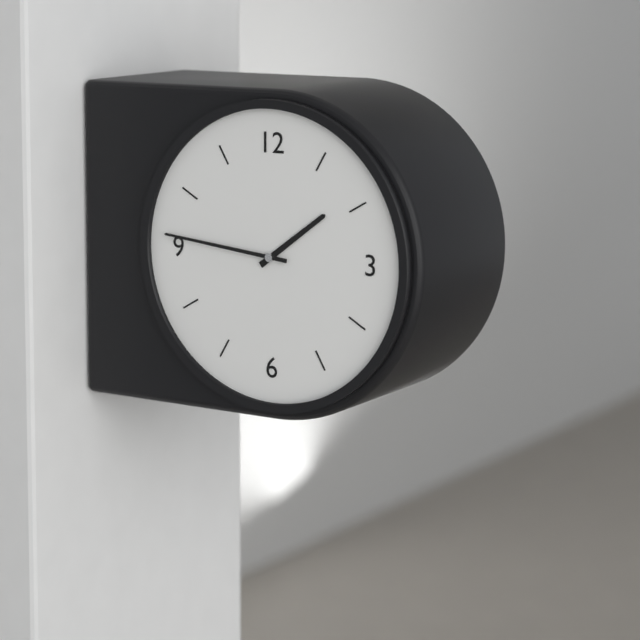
1h46
